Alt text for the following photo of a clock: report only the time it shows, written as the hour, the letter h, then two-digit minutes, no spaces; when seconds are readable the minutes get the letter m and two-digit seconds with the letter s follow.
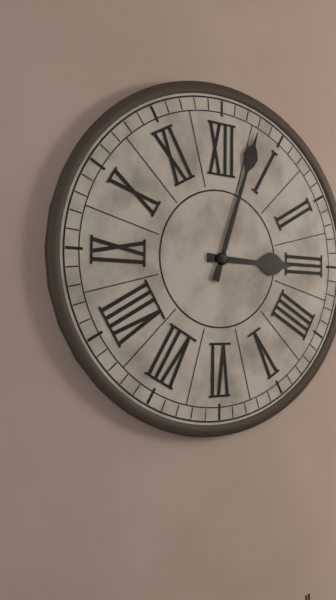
3h03
